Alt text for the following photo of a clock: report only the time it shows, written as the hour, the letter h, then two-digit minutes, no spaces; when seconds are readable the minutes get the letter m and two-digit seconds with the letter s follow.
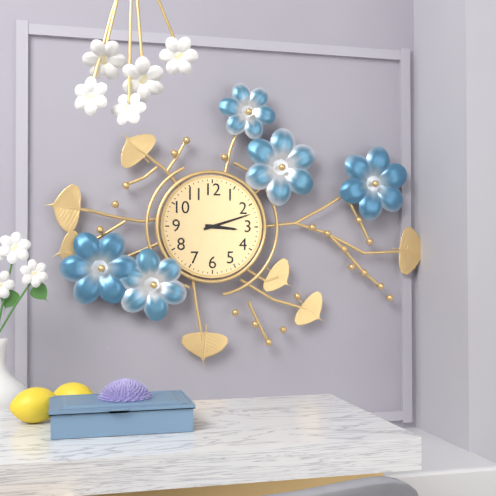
3h12
